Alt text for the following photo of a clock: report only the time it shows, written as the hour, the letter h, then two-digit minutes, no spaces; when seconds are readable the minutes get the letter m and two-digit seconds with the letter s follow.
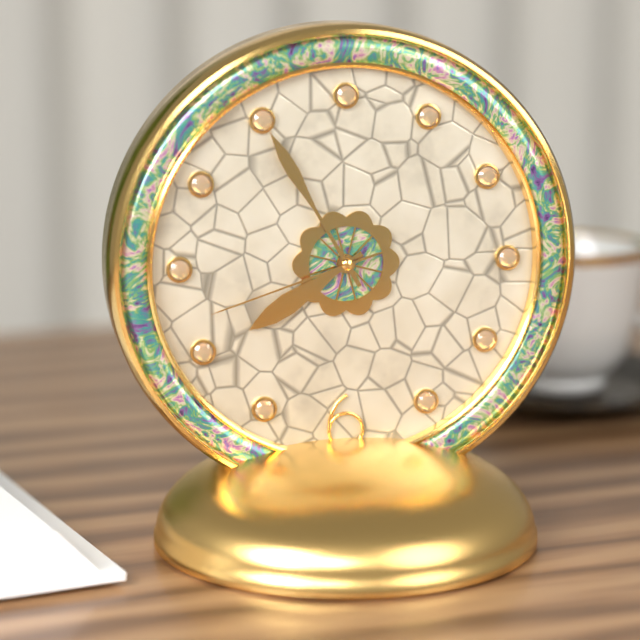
7h55m42s
